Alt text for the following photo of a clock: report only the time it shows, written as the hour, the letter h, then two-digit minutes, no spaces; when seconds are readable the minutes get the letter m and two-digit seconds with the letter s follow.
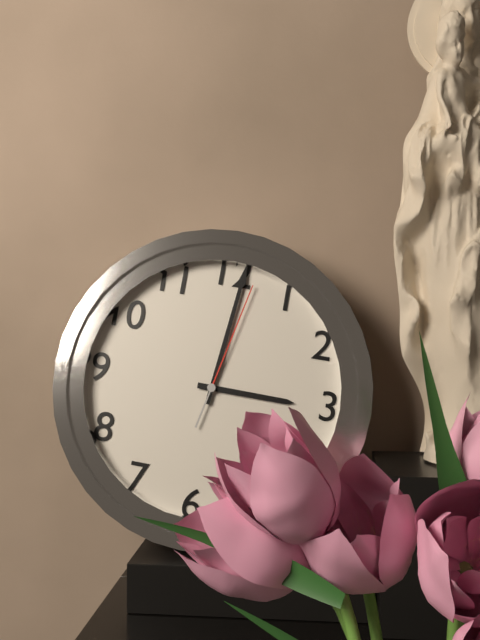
3h01m02s
